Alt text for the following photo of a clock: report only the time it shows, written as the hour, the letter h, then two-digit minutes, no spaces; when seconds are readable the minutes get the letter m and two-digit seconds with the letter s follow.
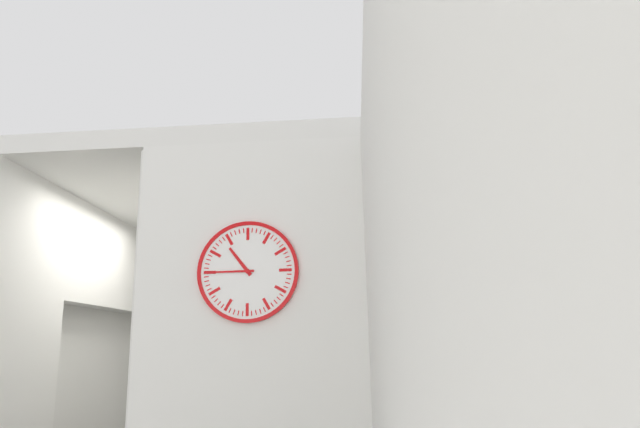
10h45
